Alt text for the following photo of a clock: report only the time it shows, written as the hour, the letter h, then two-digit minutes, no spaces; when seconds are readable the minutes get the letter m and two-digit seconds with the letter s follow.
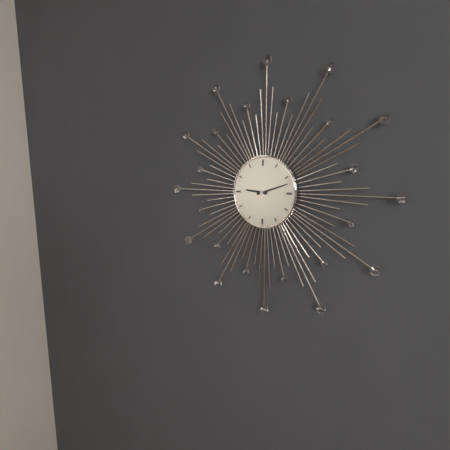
9h12
